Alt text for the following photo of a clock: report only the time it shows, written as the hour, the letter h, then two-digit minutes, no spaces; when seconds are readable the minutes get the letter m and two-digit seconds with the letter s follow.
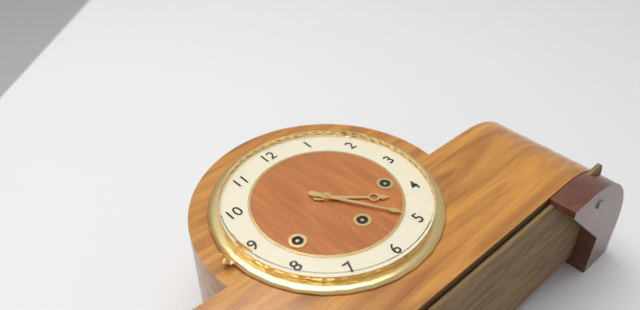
4h25
